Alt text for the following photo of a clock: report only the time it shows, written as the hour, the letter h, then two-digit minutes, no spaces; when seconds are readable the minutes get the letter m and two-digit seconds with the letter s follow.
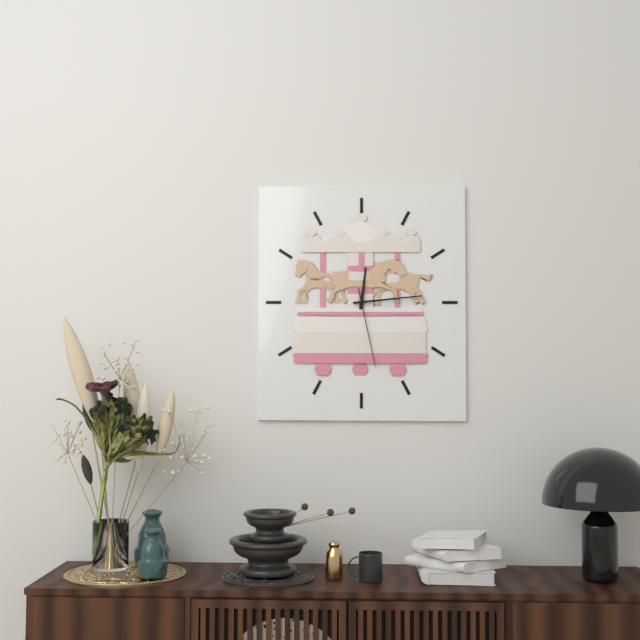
12h14m28s
